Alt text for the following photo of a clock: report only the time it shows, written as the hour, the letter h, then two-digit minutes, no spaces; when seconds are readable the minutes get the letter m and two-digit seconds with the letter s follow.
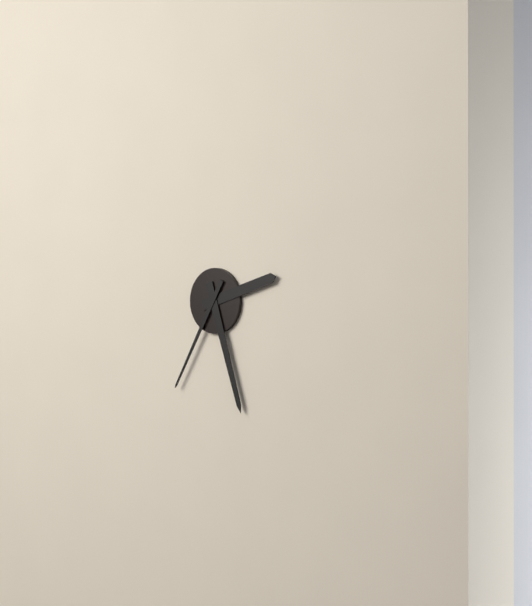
2h27m35s
